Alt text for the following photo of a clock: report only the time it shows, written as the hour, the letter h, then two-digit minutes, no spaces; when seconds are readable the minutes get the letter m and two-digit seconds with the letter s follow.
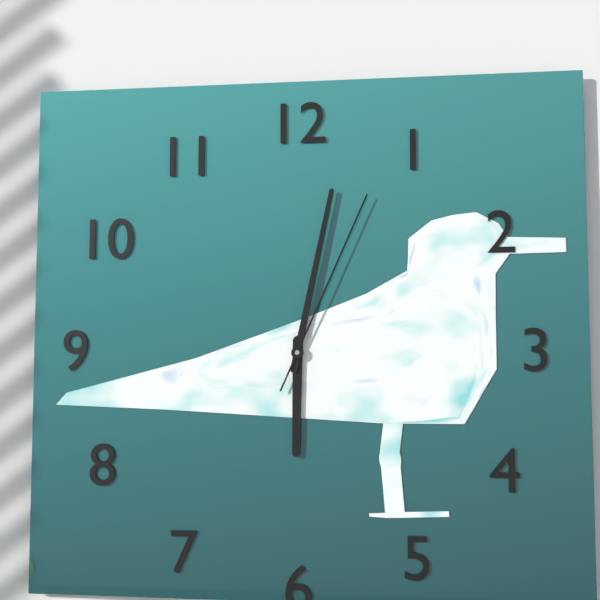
6h02m04s
